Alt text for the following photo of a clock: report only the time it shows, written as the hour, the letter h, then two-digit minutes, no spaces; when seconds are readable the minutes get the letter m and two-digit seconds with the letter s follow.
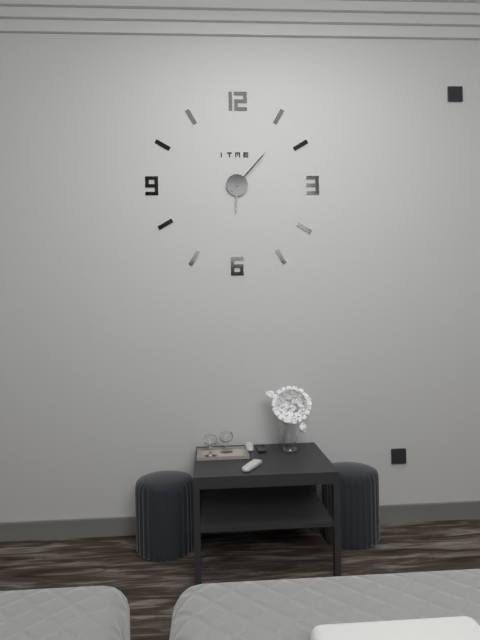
6h07
